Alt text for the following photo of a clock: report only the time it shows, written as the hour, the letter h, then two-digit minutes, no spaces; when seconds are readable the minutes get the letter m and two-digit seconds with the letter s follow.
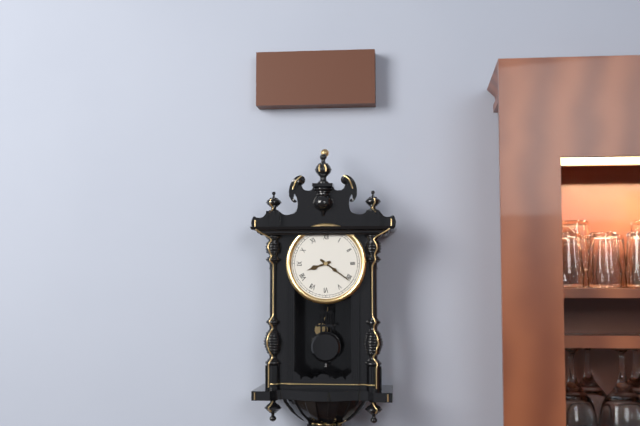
8h21
